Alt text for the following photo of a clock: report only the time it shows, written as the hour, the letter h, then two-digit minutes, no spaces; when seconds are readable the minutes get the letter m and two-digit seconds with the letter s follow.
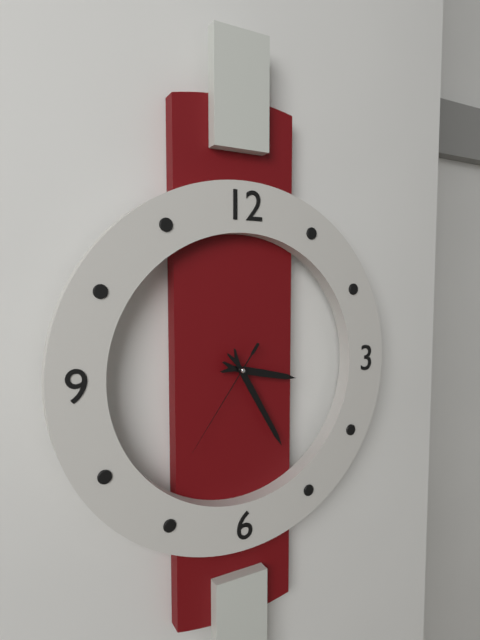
3h25m36s
